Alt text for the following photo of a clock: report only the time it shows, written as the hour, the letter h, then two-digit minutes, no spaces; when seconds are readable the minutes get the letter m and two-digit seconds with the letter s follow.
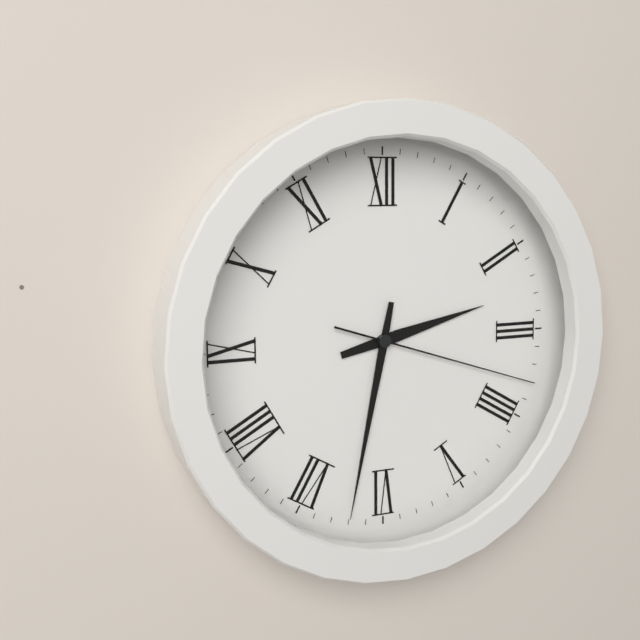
2h32m18s
